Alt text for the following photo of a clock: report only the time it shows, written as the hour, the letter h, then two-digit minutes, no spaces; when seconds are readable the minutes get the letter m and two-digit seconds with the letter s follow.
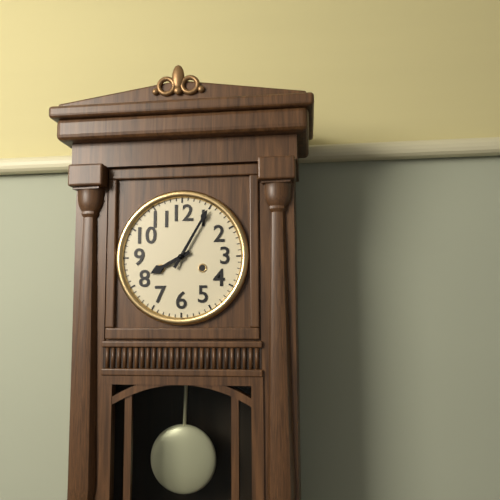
8h05
